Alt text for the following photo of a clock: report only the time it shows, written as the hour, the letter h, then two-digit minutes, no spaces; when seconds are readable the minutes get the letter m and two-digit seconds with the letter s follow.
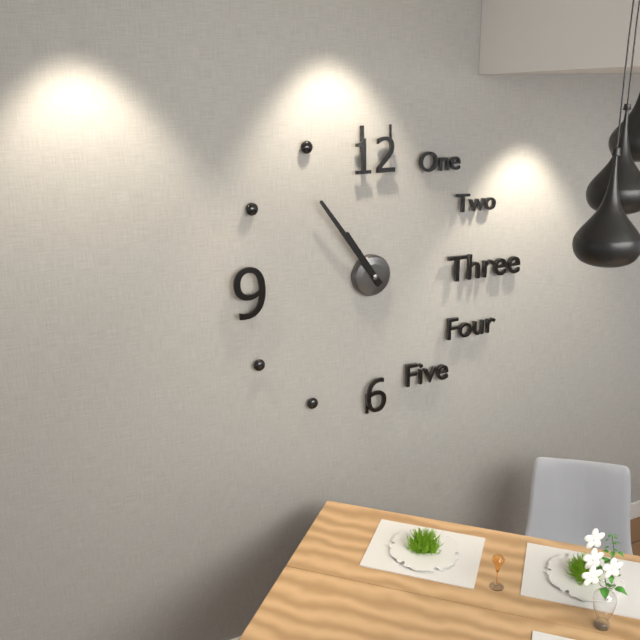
10h54
